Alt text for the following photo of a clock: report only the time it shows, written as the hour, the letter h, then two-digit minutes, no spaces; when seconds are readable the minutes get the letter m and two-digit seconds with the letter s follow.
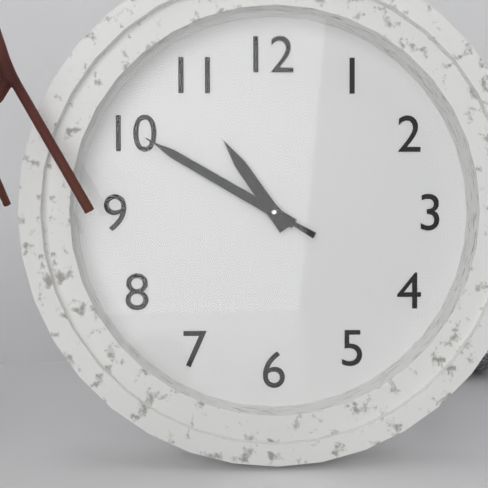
10h50m50s
